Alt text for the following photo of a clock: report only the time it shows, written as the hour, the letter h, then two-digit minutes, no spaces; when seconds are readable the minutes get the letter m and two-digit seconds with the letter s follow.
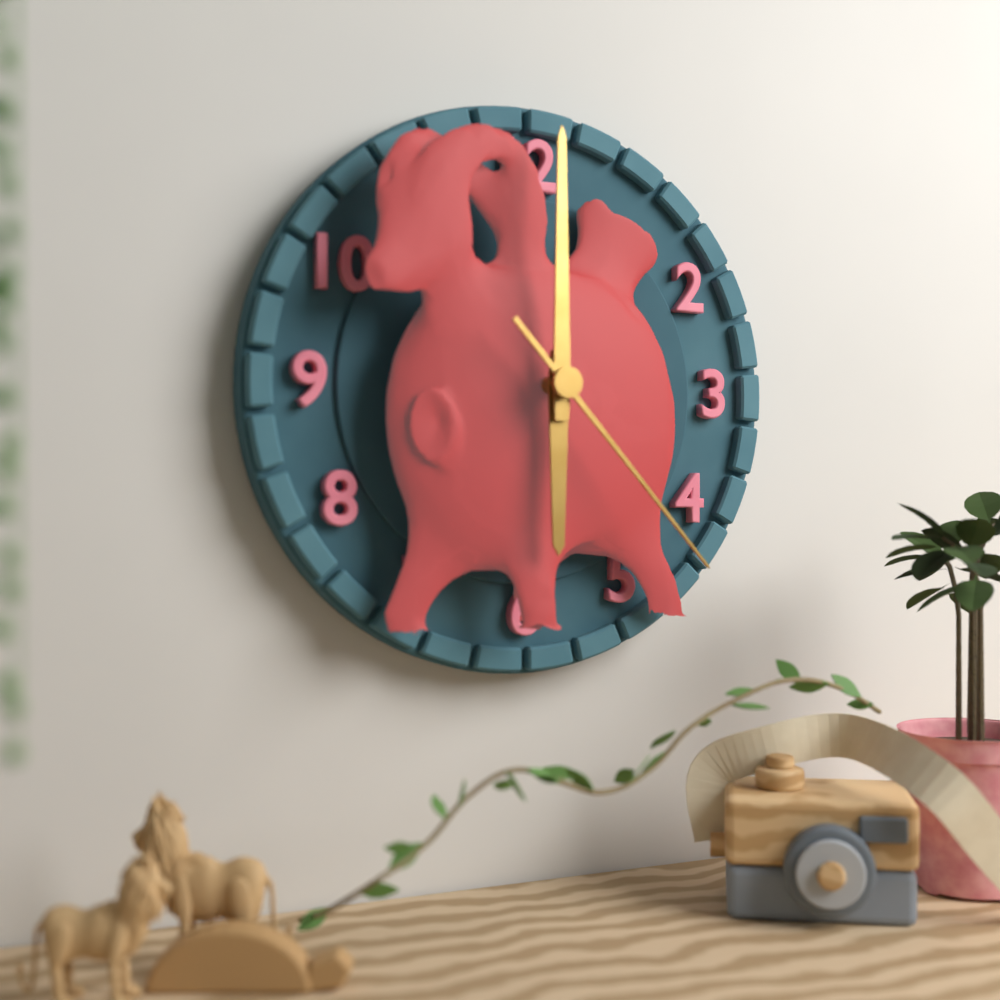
6h00m23s
